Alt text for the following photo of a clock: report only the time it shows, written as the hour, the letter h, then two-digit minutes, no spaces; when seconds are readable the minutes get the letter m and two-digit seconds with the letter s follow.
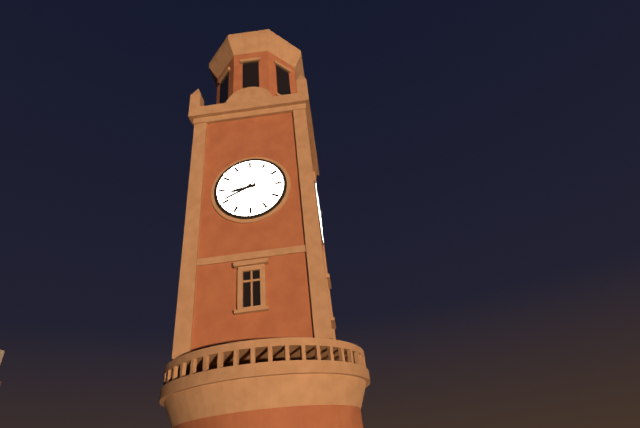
8h41
